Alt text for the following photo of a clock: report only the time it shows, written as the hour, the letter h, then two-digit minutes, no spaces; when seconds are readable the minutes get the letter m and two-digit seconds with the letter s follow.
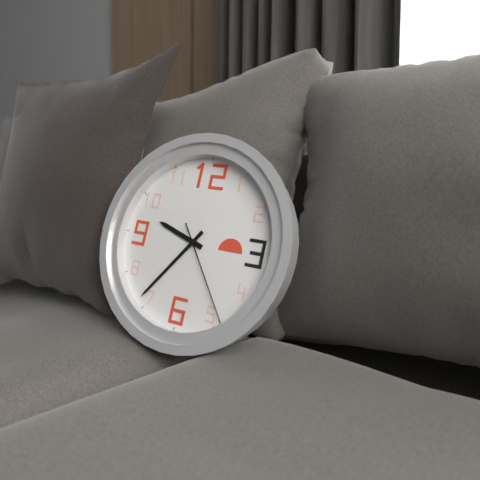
9h36m24s
